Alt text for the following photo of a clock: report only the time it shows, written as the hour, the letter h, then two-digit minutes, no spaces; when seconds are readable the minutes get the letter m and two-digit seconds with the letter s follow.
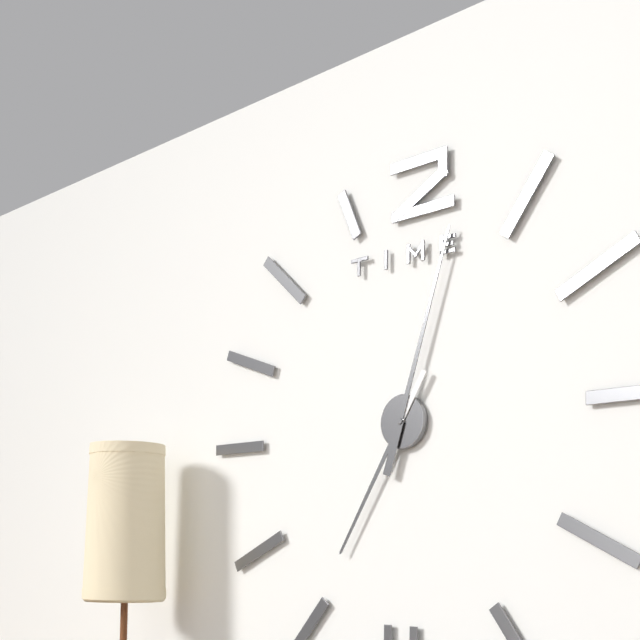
7h03
